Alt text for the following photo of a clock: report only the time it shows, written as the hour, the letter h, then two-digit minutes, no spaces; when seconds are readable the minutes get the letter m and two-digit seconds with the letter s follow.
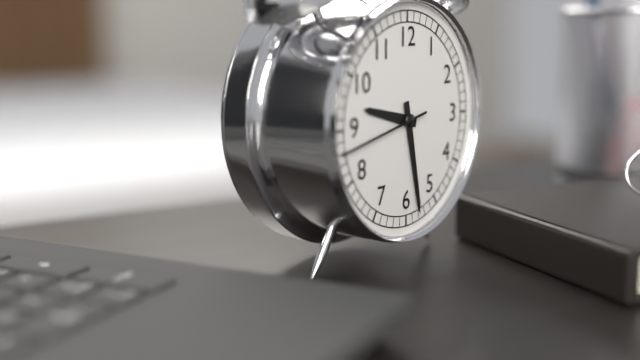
9h28m43s
